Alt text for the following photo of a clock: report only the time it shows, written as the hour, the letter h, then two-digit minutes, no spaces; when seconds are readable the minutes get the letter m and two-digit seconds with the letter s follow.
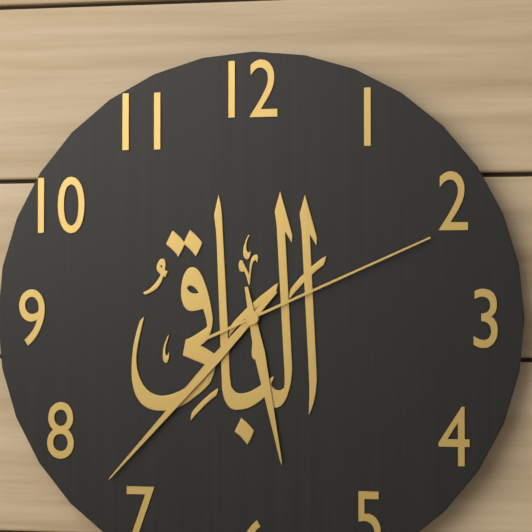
5h37m11s
